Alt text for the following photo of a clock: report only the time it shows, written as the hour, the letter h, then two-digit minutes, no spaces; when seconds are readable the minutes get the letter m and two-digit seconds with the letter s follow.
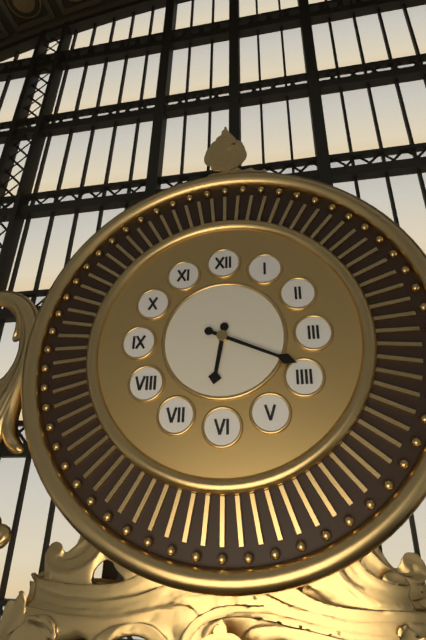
6h19
